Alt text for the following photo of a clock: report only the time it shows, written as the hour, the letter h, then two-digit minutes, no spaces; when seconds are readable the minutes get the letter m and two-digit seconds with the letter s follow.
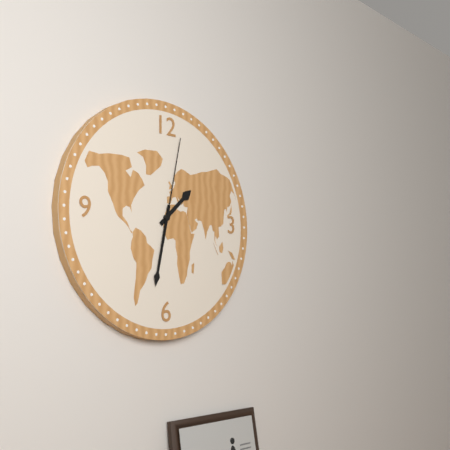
1h32m02s
